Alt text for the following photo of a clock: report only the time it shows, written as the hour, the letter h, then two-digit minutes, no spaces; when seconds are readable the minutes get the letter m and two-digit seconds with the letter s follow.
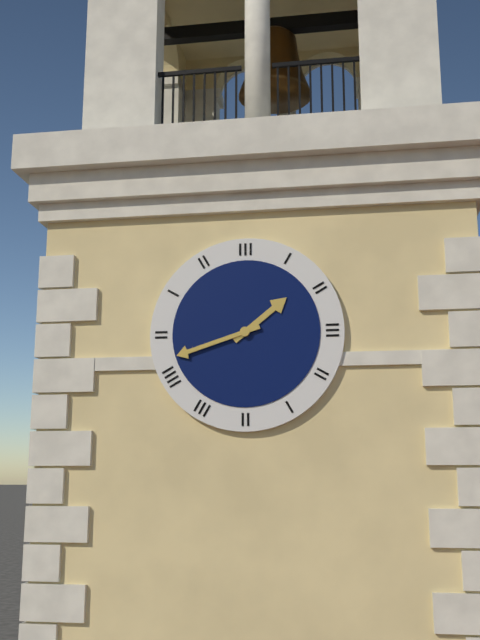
1h42
